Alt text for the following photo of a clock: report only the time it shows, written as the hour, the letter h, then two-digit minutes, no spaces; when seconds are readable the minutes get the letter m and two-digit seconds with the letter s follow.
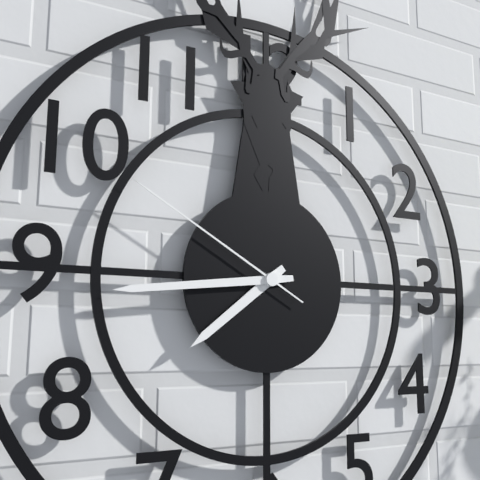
7h44m50s
